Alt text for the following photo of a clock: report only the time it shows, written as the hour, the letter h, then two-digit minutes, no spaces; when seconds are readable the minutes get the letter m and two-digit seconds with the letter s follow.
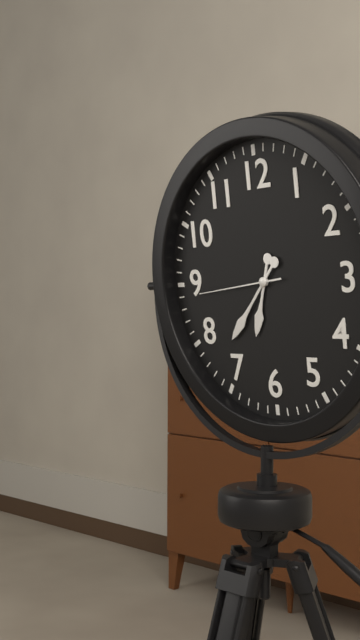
6h37m44s
